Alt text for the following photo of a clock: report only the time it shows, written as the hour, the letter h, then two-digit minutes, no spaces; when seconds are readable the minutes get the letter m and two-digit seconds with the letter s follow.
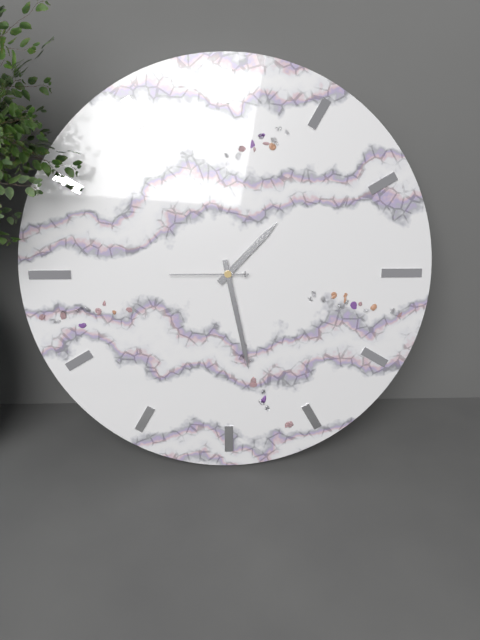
1h28m45s
